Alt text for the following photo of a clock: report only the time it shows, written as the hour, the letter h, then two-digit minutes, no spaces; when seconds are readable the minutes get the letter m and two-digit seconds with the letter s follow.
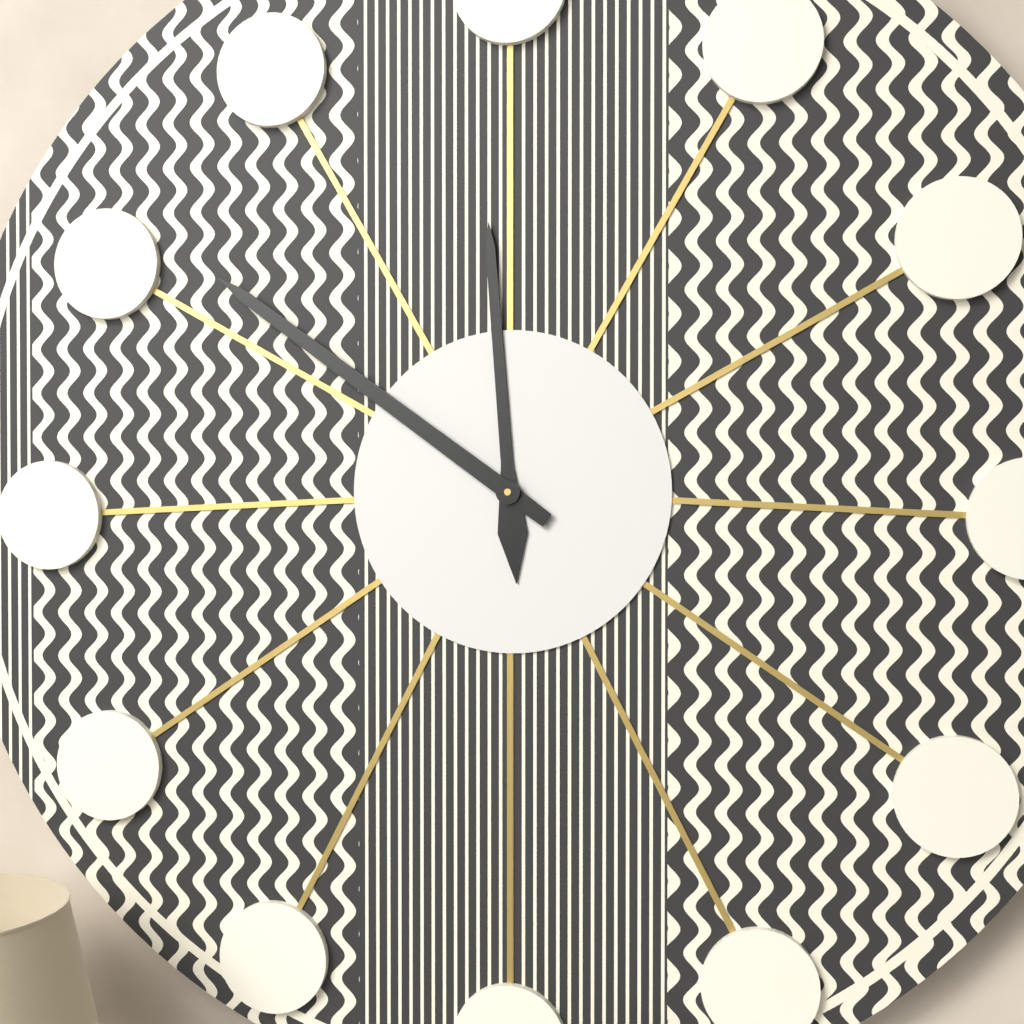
11h51
